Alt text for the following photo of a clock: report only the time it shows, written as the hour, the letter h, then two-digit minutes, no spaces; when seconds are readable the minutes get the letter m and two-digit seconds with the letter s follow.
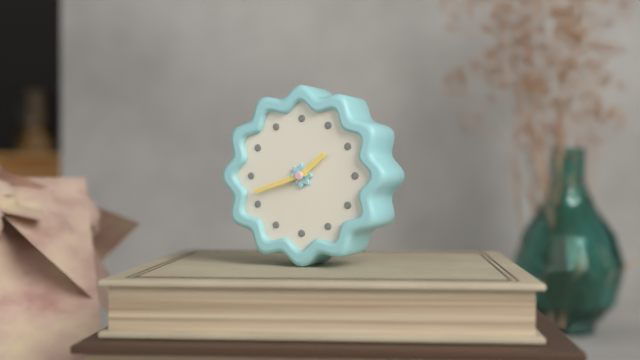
1h42
